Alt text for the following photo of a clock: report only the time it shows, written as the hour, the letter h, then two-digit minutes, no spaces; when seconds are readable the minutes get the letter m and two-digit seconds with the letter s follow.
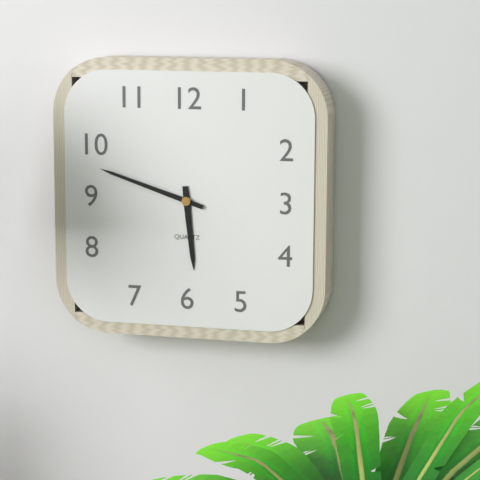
5h48
